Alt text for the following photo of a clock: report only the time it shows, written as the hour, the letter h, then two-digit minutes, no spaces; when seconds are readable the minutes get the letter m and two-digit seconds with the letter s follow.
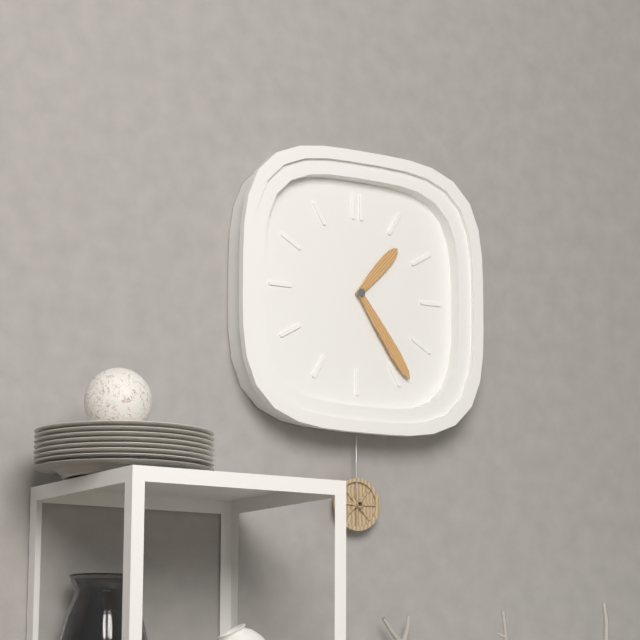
1h24
